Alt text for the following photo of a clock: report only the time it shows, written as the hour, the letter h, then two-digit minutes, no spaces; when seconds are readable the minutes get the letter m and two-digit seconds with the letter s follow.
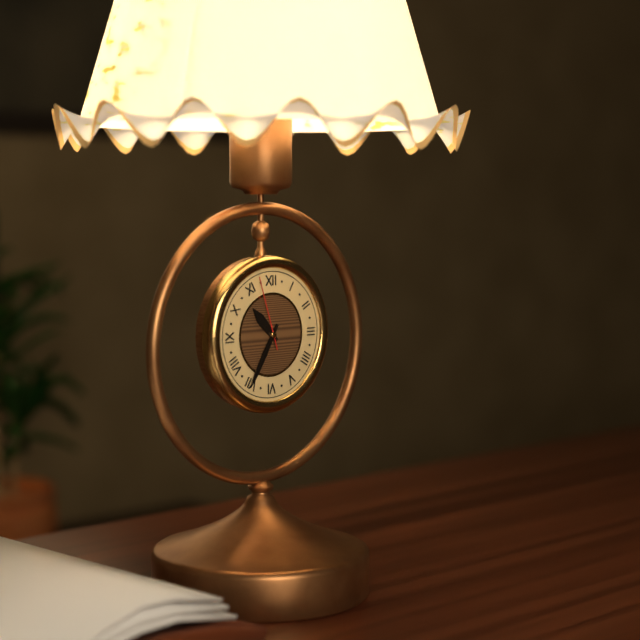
10h35m57s
